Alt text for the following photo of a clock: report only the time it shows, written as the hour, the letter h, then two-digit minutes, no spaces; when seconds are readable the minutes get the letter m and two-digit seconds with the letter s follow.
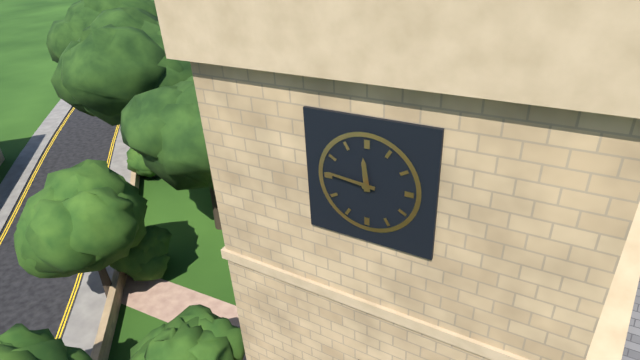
11h46
